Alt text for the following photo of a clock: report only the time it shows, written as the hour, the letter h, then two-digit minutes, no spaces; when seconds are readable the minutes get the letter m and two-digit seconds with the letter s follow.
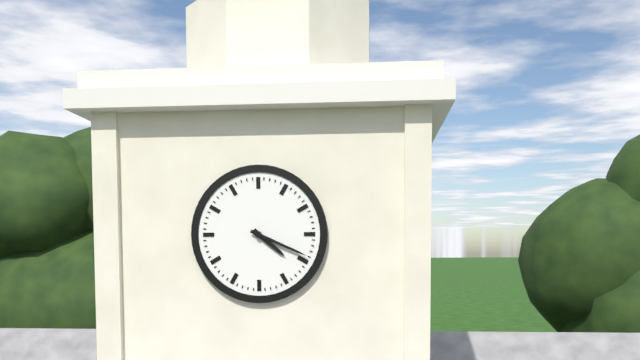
4h19
